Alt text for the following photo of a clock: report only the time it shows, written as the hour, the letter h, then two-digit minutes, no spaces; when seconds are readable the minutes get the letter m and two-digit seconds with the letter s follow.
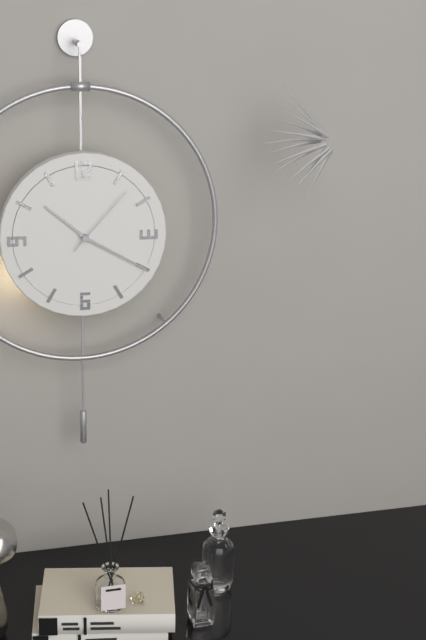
10h20m07s
